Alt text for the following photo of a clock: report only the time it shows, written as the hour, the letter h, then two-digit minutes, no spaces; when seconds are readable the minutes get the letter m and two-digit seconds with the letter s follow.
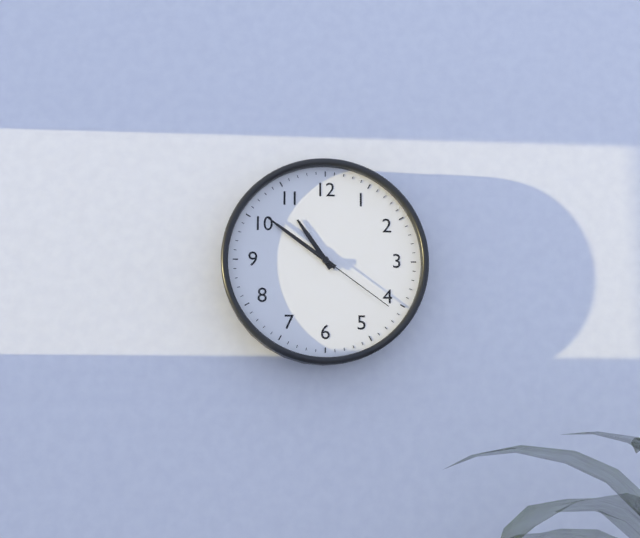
10h51m21s
